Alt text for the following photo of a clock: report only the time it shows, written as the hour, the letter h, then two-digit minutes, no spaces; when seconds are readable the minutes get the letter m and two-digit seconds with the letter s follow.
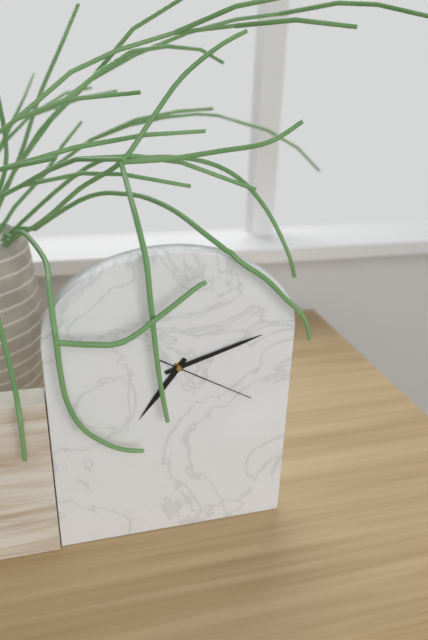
7h12m20s
